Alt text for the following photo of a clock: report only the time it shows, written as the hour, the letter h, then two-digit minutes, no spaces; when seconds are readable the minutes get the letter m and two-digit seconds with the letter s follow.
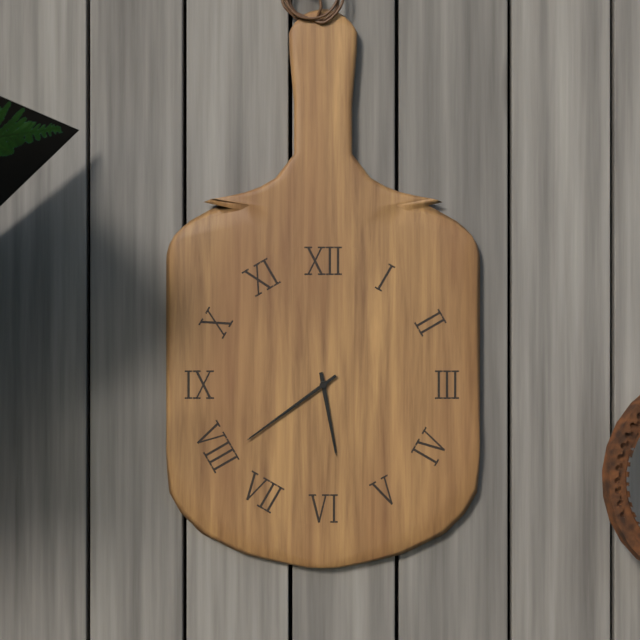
5h39
